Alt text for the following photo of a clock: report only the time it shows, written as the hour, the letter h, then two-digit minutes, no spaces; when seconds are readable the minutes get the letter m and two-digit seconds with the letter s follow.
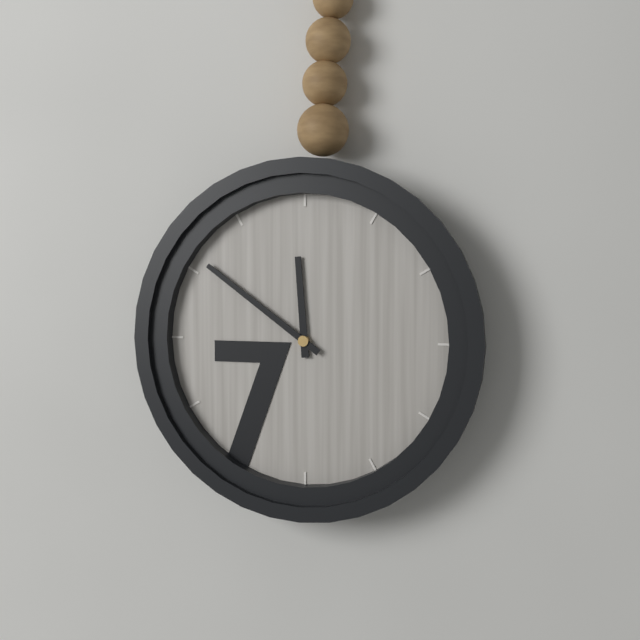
11h51
